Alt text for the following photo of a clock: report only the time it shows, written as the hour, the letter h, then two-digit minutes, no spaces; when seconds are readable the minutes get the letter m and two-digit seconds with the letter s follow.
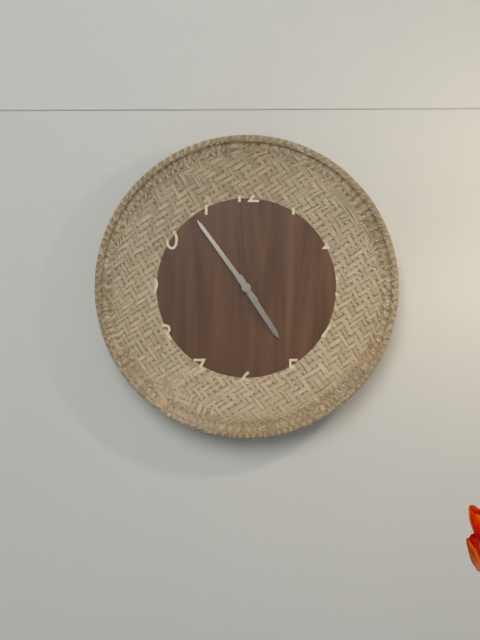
4h54
